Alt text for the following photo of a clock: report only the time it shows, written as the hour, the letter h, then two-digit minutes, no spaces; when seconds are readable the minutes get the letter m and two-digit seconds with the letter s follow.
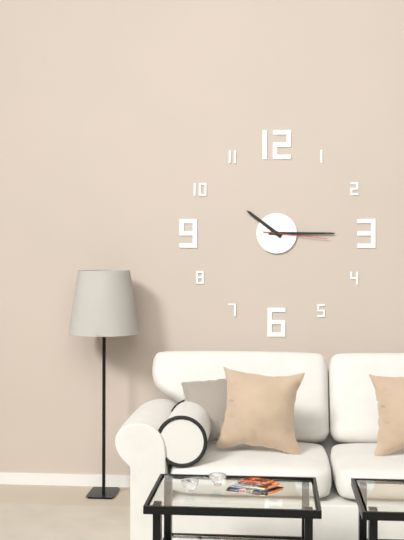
10h15m16s
